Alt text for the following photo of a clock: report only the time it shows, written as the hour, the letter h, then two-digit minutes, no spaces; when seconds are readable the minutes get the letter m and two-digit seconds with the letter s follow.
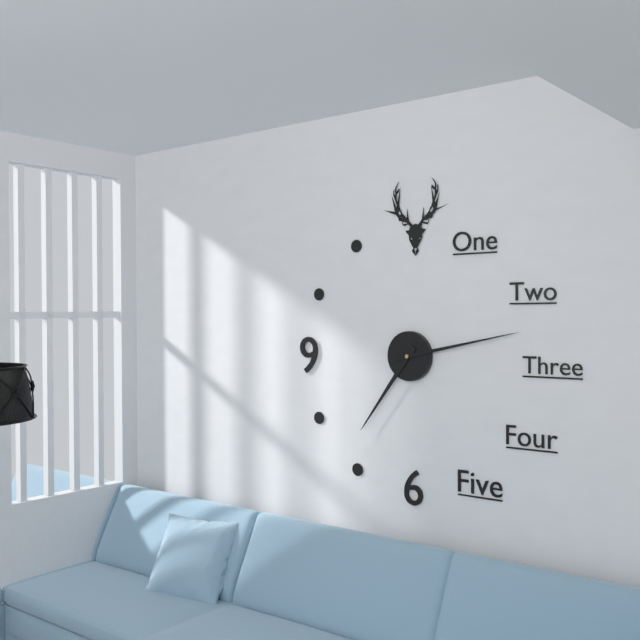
7h13
